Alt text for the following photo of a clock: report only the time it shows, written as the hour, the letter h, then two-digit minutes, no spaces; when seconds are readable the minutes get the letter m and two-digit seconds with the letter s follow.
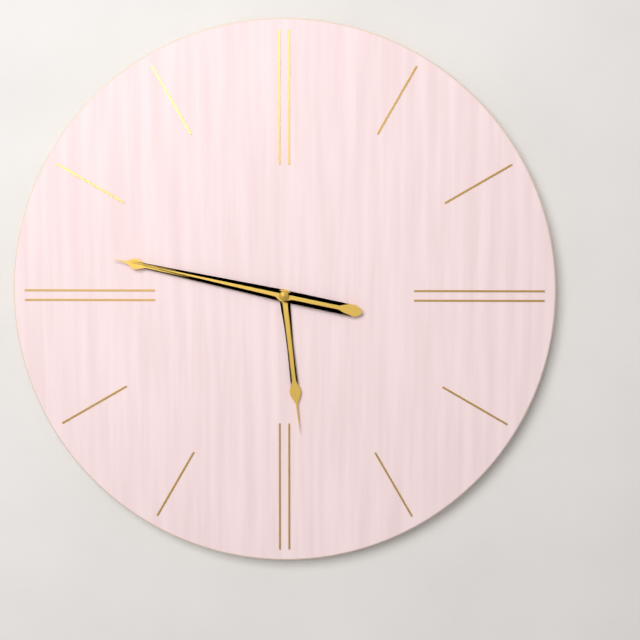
5h47
